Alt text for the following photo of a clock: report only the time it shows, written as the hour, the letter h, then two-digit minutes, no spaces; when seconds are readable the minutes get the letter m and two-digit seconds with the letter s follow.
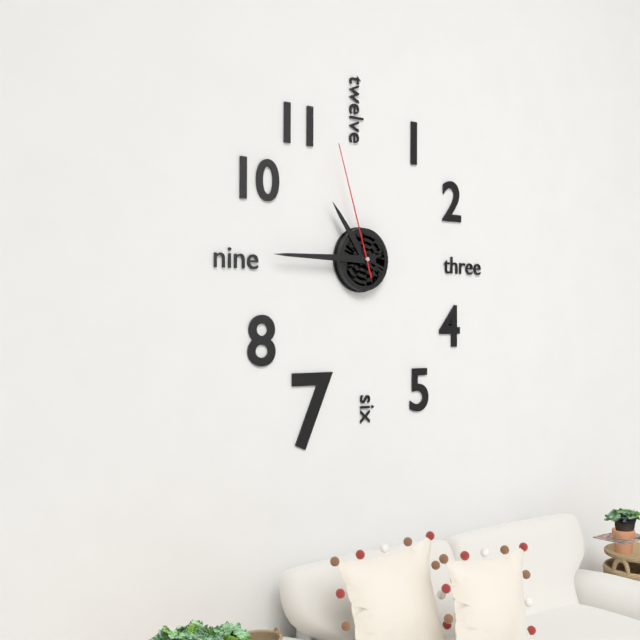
10h45m57s
